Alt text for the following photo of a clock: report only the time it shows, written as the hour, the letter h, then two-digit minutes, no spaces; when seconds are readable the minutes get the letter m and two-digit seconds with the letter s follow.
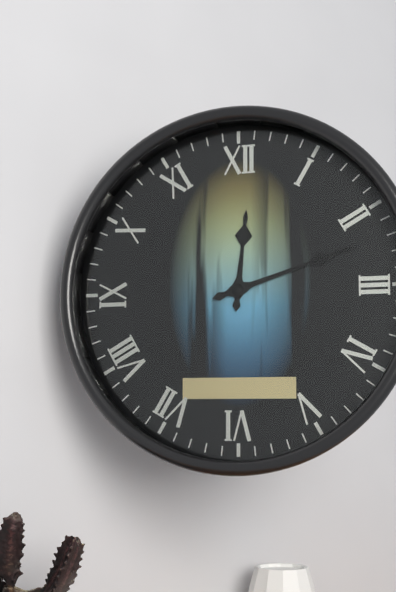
12h12
